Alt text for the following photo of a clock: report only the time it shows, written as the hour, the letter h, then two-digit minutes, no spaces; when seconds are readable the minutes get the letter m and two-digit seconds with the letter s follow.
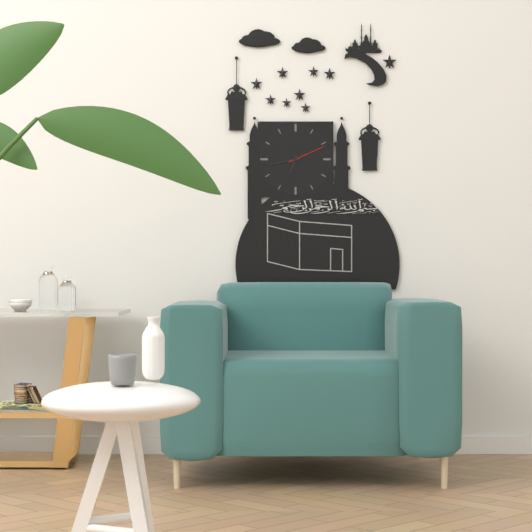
6h43
